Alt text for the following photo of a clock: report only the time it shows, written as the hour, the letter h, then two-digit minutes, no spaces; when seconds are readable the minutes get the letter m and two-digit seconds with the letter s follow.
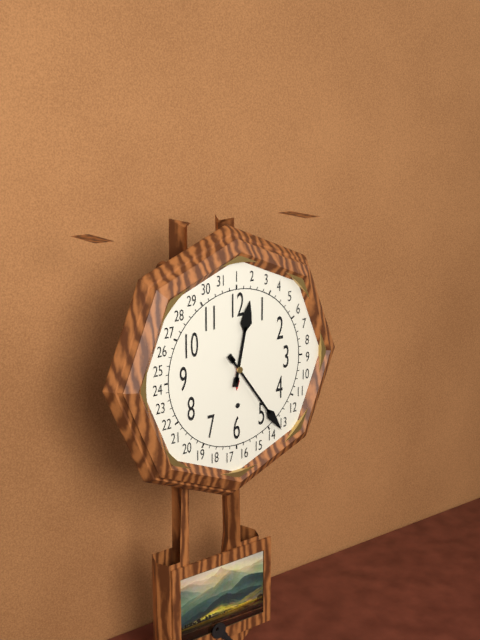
12h24
